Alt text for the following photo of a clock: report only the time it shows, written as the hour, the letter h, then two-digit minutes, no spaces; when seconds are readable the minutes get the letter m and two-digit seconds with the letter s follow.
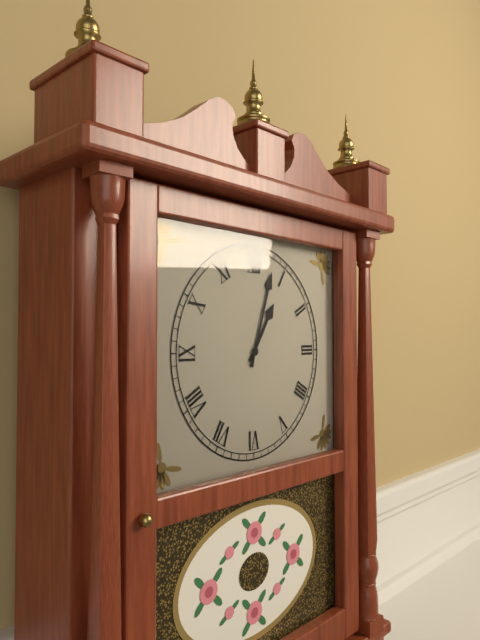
1h03
